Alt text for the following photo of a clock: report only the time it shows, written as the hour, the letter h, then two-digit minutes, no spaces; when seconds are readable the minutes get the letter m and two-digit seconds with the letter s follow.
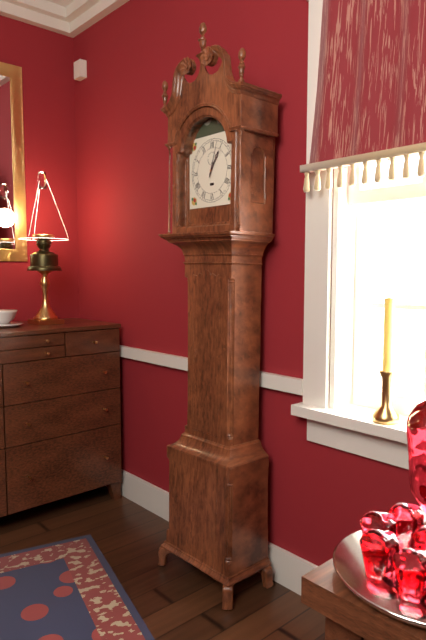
1h03
